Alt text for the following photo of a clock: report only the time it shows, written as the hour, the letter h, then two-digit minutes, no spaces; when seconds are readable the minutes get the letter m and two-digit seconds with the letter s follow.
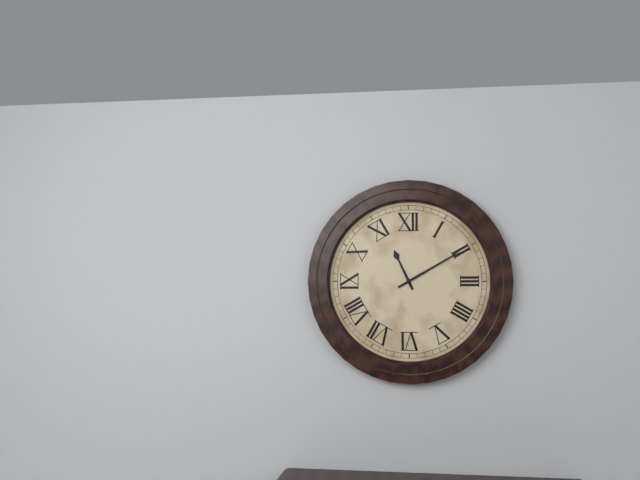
11h10
